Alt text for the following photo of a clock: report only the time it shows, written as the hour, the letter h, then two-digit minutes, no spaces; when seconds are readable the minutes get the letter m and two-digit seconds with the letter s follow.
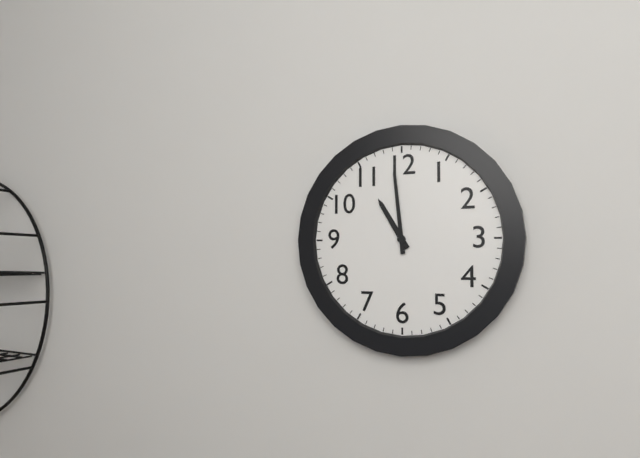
10h59
